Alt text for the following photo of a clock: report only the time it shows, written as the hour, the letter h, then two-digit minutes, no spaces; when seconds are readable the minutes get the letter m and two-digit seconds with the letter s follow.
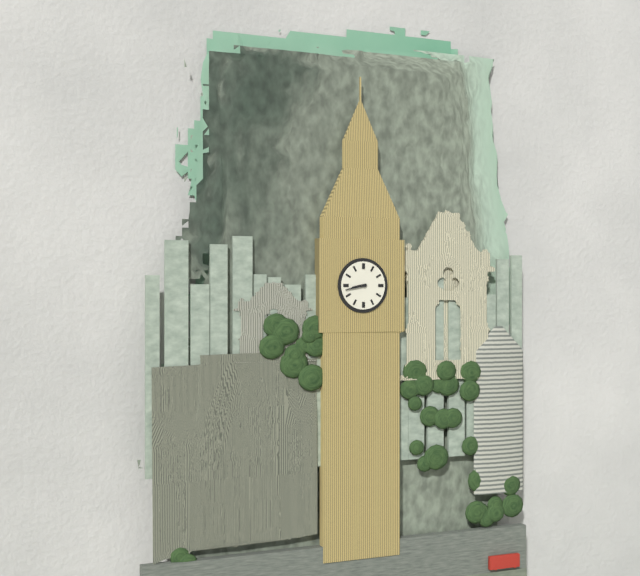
8h43
